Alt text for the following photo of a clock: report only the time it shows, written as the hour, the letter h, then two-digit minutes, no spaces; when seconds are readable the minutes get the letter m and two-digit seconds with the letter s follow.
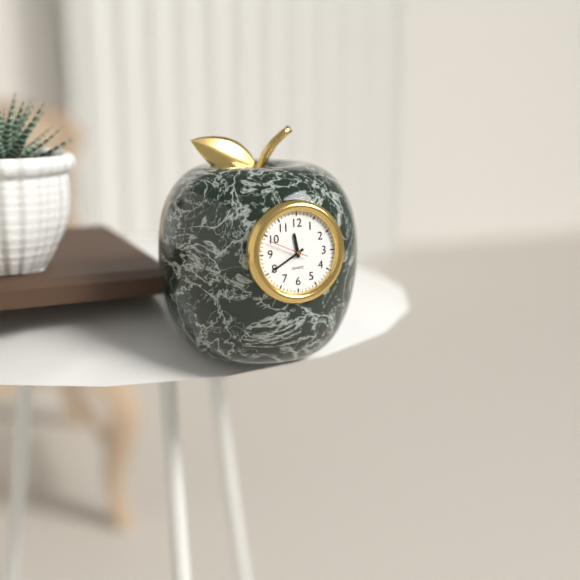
11h40
